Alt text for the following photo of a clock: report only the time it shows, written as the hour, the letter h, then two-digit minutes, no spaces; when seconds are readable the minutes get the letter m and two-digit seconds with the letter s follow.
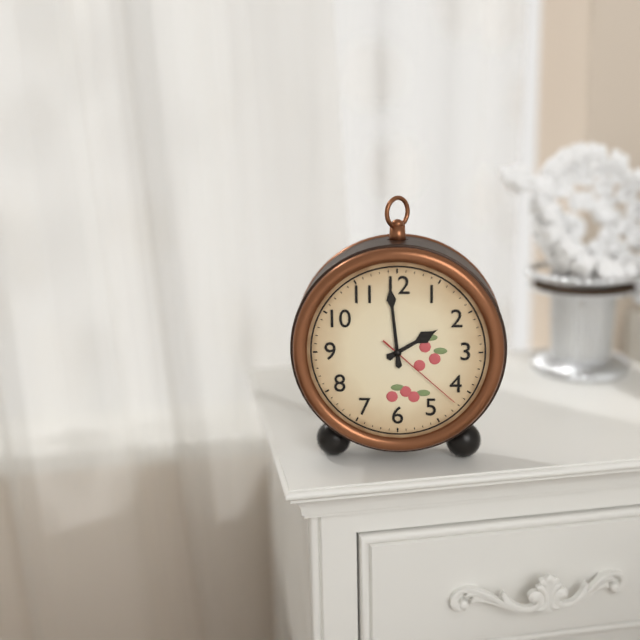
1h59m22s
